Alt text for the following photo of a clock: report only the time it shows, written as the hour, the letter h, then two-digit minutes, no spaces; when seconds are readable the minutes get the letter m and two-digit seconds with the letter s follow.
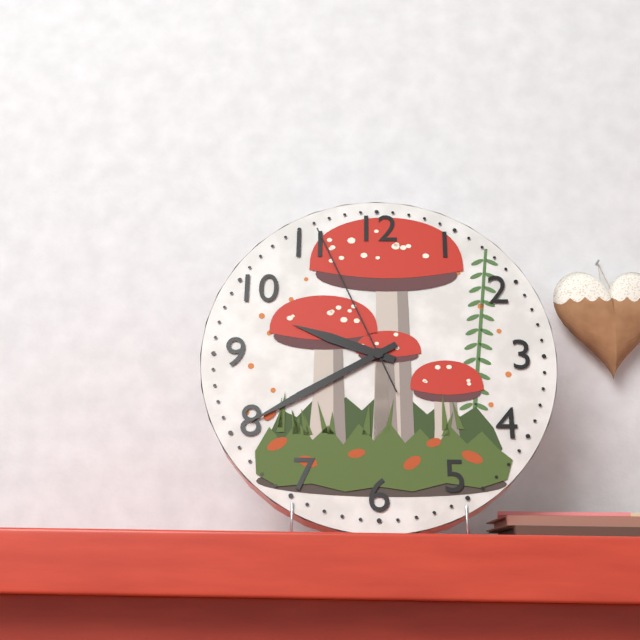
9h40m56s
